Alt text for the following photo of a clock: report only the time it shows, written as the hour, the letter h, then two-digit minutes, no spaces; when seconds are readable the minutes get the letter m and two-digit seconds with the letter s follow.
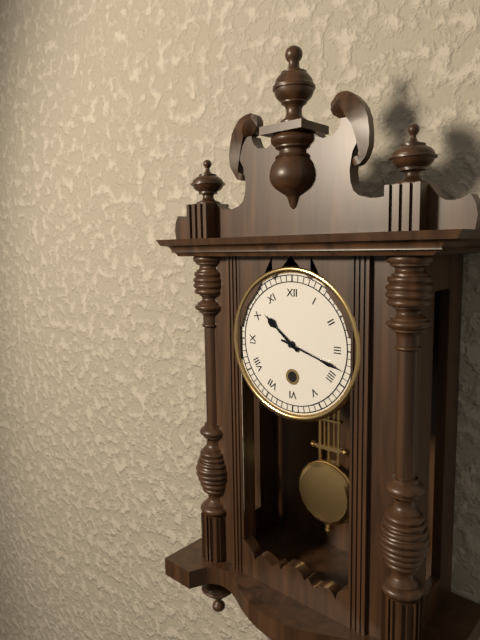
10h18
